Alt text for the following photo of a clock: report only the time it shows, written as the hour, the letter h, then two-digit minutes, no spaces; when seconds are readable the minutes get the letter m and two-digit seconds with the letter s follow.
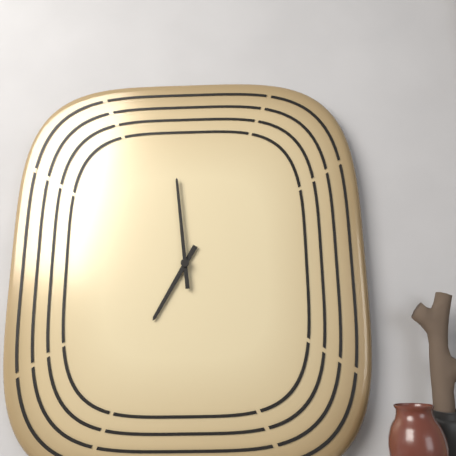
6h59
